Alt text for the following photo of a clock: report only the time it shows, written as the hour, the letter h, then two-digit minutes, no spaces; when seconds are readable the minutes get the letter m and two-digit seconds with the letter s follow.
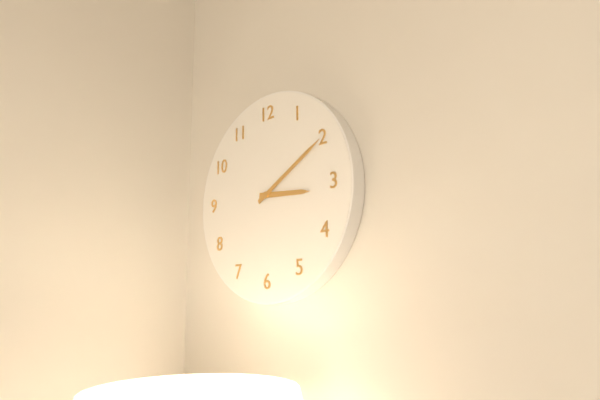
3h10
